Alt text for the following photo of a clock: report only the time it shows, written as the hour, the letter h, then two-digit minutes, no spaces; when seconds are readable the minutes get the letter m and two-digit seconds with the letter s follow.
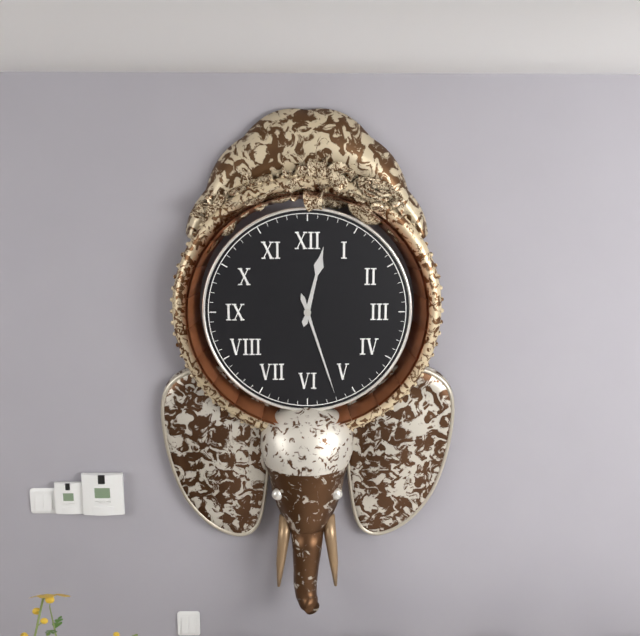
12h27
